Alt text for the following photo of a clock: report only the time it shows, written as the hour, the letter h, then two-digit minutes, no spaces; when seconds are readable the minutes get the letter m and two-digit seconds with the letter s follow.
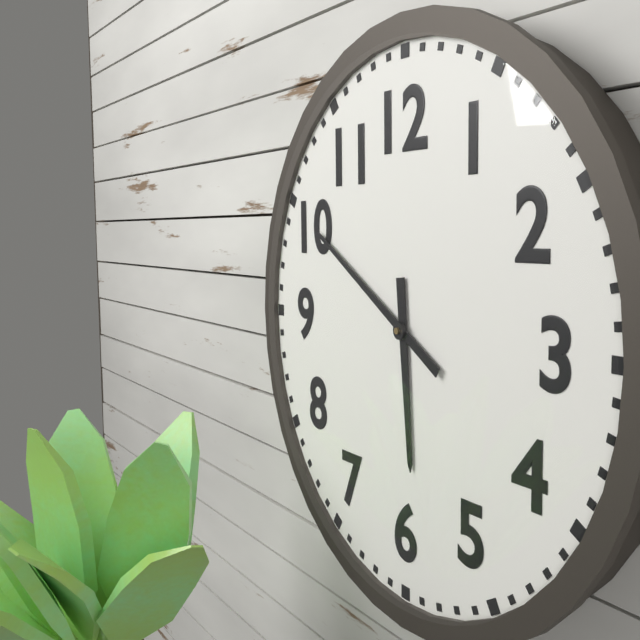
5h50
